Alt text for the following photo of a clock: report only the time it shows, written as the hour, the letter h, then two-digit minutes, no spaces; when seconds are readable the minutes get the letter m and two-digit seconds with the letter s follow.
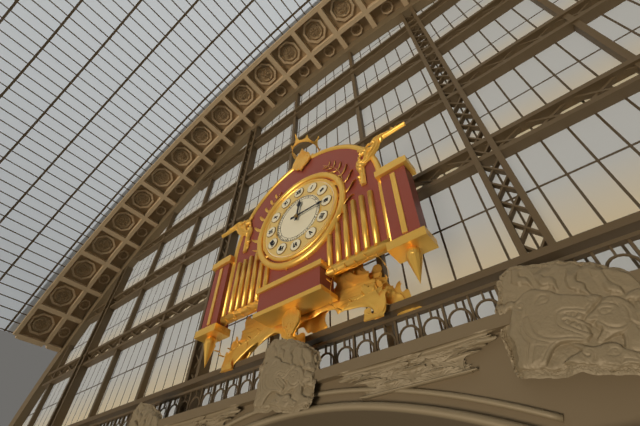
12h15
